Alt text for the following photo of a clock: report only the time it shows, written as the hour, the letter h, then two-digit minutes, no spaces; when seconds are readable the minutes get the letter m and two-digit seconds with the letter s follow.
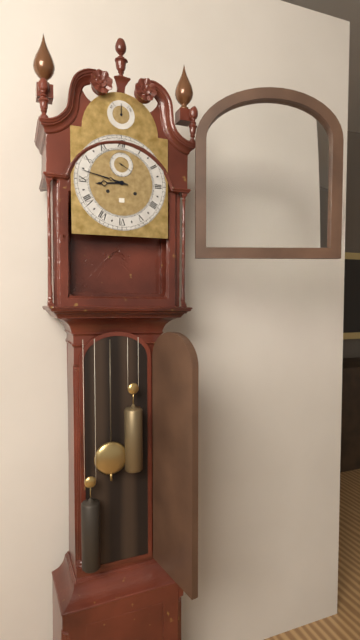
8h47
